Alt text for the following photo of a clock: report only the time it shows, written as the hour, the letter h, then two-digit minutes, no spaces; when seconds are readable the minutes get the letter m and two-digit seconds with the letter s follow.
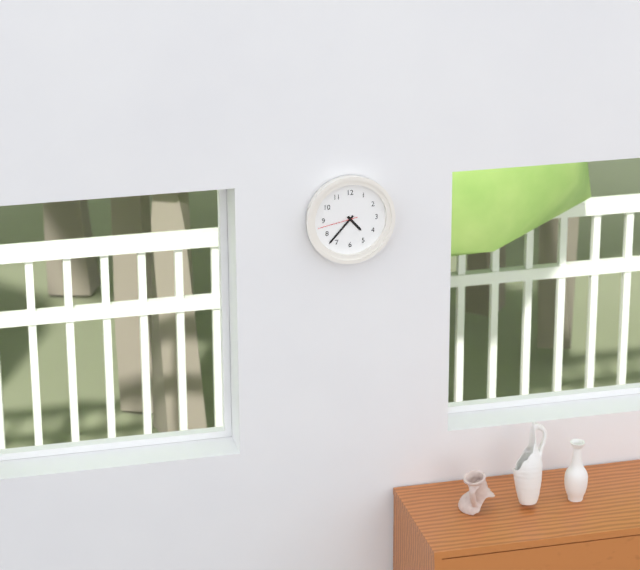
4h37
